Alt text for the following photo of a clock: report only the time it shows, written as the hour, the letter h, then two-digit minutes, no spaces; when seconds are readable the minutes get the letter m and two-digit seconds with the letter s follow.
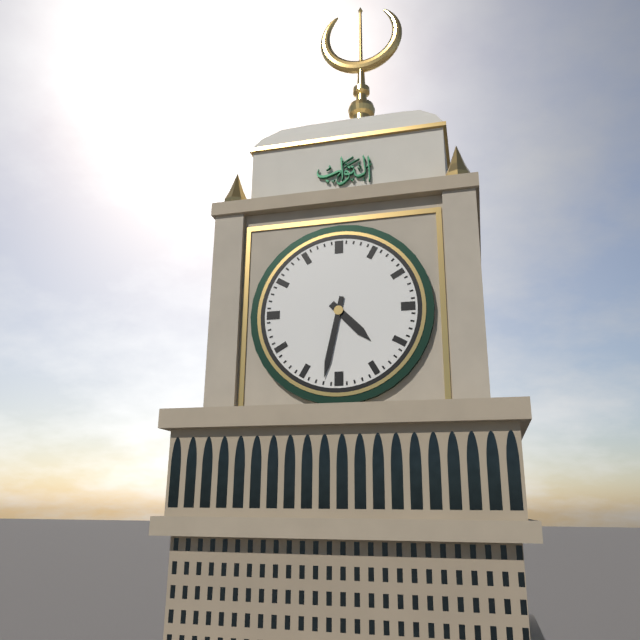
4h32
